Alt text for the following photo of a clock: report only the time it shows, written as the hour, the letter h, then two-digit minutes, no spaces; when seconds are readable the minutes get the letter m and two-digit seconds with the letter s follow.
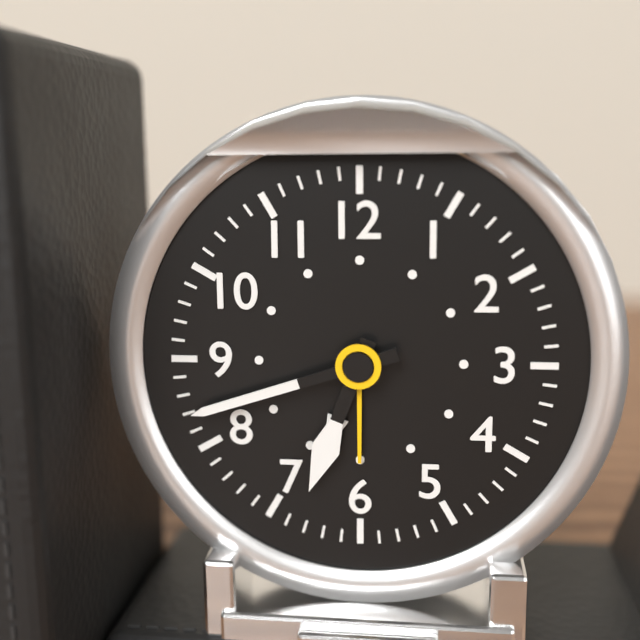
6h42
